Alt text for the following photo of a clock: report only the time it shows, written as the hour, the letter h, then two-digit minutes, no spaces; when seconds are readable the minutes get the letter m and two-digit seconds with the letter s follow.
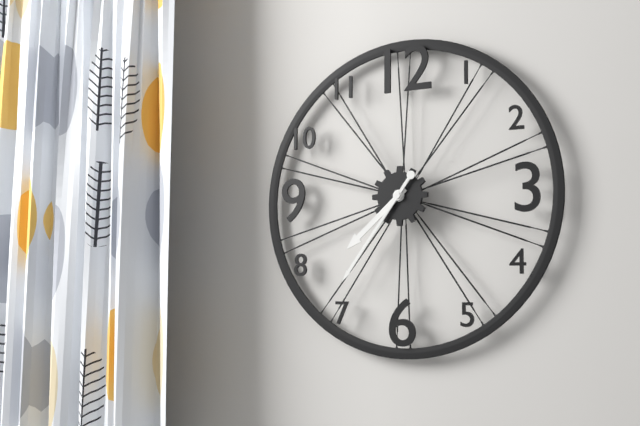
7h36
